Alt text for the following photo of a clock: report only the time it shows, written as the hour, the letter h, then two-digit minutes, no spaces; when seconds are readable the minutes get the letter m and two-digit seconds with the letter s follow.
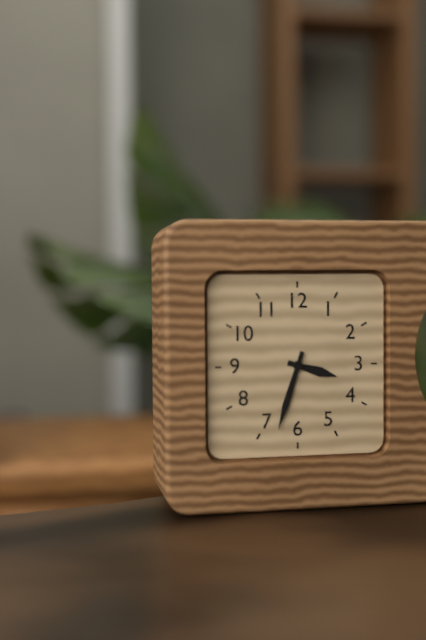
3h33
